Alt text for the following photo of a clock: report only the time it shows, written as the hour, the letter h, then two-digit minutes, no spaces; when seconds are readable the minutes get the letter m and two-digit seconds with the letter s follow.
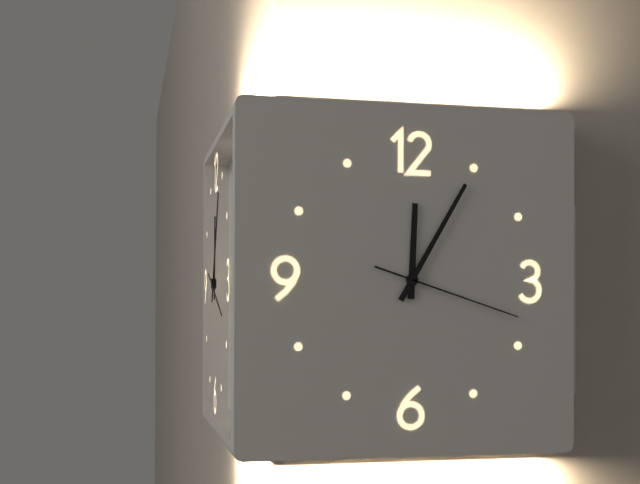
12h05m18s
